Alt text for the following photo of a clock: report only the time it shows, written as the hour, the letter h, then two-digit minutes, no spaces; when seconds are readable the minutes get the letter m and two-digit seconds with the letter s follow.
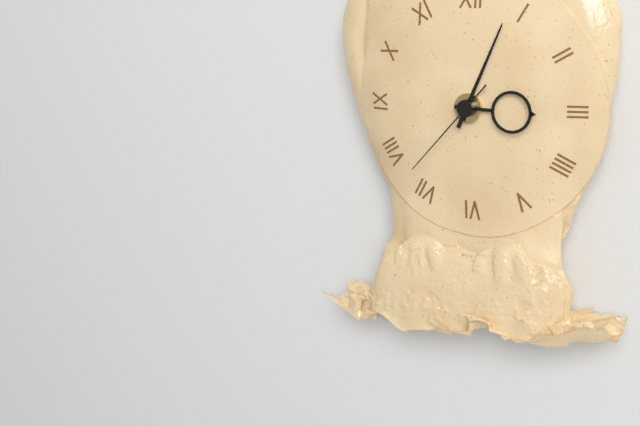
3h04m37s
